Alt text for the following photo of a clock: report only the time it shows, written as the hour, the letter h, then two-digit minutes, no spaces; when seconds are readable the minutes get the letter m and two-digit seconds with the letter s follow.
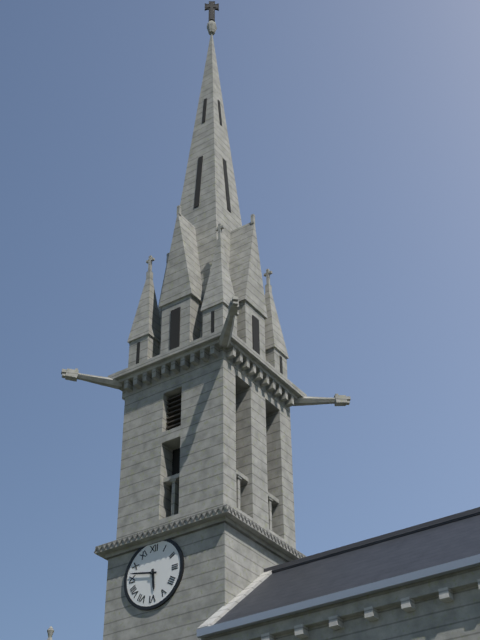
5h47
